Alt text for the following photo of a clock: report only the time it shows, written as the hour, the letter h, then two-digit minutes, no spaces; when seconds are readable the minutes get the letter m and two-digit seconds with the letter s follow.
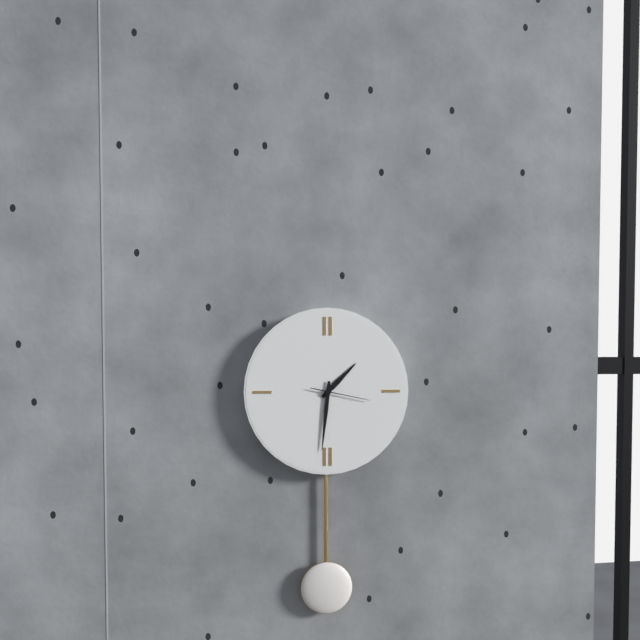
1h31m17s
